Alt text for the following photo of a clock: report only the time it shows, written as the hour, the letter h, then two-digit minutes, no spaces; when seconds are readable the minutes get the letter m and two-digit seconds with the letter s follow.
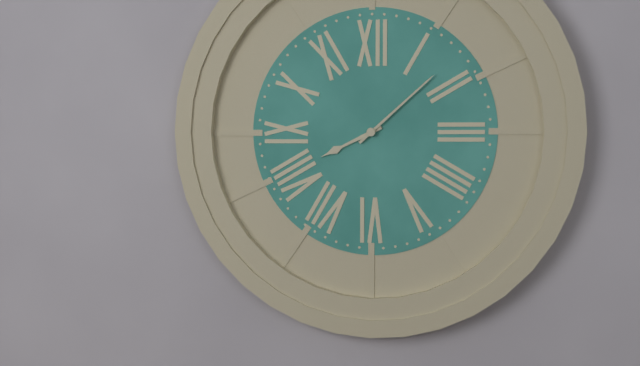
8h08
